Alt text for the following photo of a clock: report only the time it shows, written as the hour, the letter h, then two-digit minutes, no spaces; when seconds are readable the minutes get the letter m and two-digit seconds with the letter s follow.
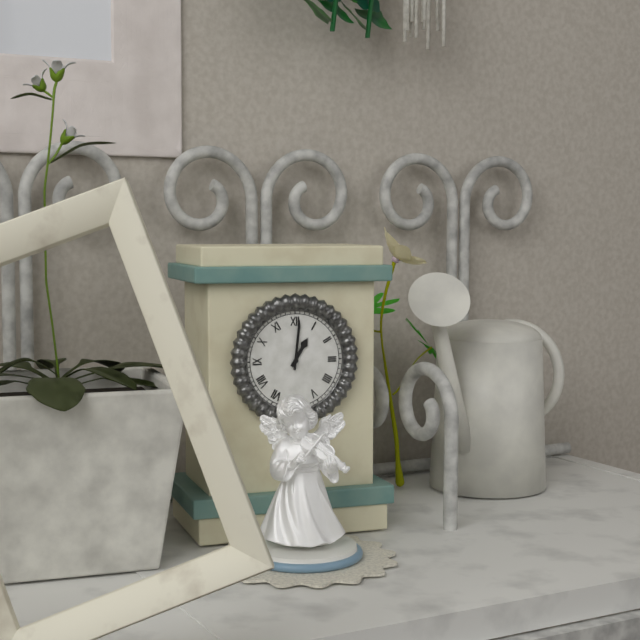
1h01
